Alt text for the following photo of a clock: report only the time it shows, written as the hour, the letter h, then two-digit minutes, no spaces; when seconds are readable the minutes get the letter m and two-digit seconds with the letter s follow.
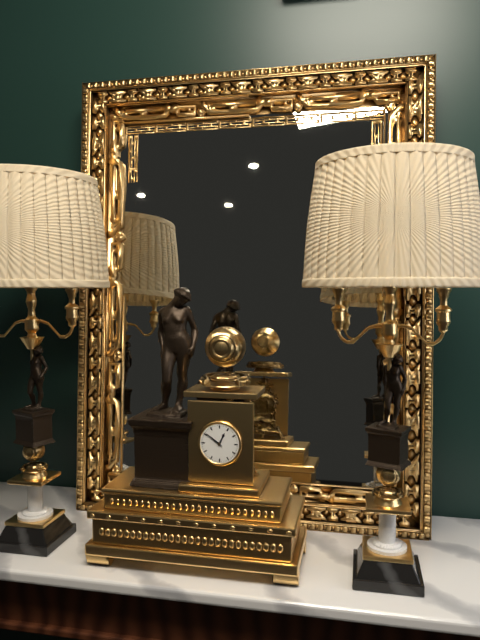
12h51
